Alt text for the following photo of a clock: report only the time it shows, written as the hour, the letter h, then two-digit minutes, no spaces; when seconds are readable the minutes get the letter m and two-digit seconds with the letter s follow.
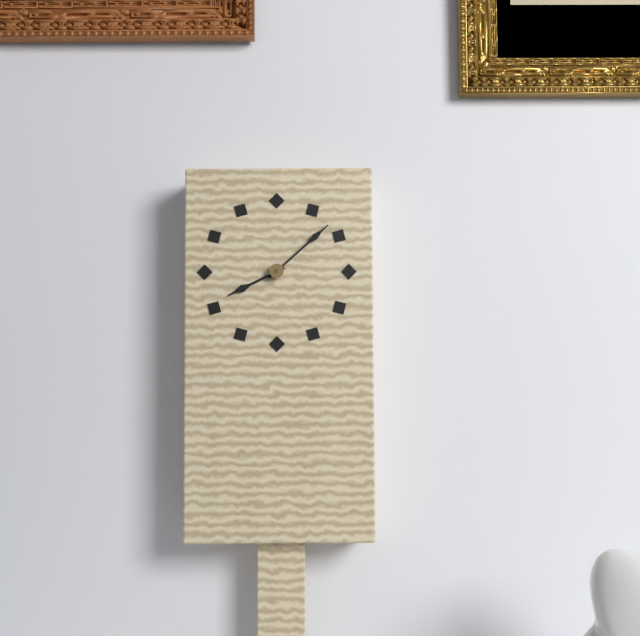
8h08
